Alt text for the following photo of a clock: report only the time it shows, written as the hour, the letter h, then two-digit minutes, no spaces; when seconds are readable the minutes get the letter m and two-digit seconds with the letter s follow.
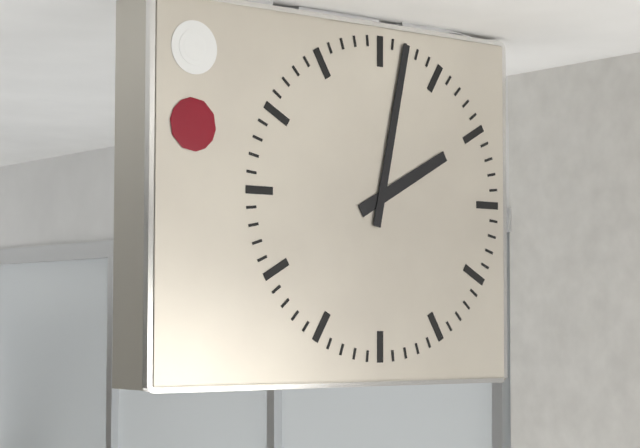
2h02
